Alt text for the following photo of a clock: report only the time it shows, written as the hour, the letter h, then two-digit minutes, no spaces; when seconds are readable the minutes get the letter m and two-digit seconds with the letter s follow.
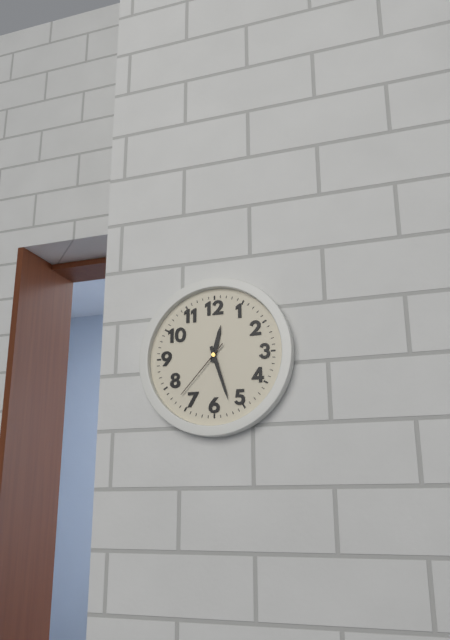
12h27m37s
